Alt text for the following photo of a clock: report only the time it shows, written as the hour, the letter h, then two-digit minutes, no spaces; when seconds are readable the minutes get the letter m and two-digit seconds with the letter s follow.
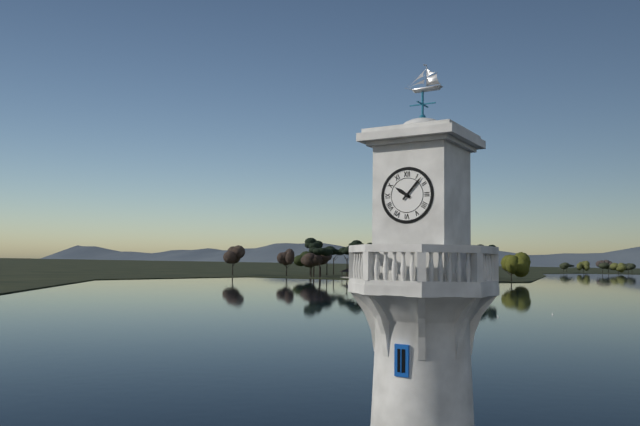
10h07
